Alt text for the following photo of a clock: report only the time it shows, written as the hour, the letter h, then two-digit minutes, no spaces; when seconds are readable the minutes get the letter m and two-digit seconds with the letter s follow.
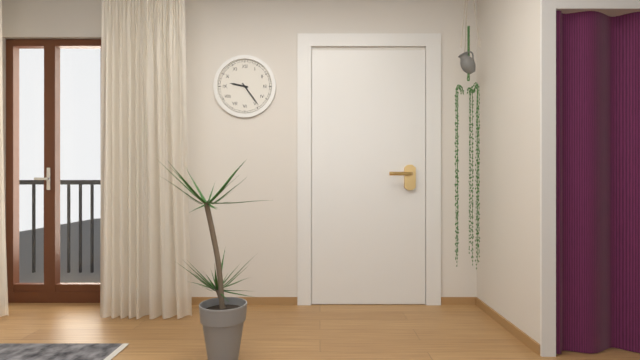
9h24
